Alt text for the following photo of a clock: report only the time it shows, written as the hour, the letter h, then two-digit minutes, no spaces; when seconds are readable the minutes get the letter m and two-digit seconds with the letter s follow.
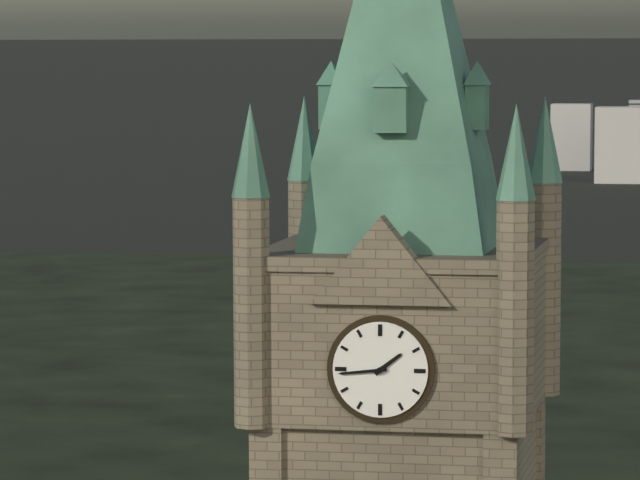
1h44
